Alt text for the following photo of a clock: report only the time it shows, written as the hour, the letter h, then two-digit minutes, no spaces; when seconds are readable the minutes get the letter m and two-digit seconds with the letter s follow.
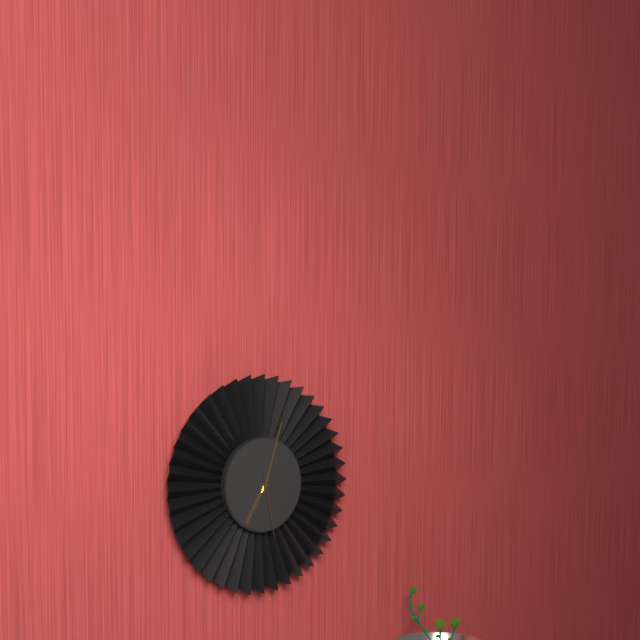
7h03m28s
